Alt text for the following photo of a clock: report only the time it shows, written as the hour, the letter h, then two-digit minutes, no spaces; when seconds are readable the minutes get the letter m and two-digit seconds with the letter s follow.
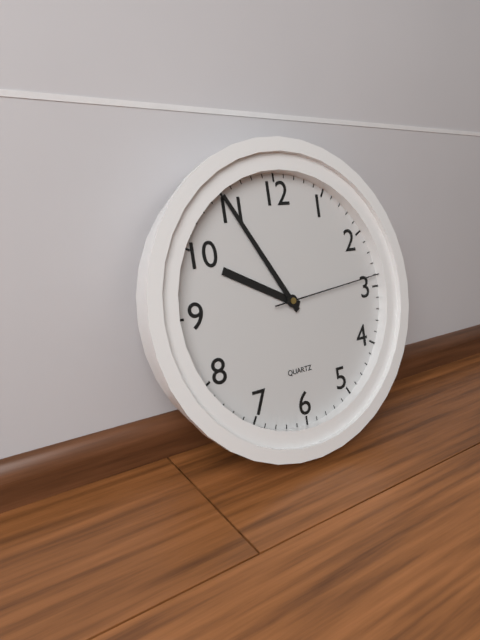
9h55m14s
